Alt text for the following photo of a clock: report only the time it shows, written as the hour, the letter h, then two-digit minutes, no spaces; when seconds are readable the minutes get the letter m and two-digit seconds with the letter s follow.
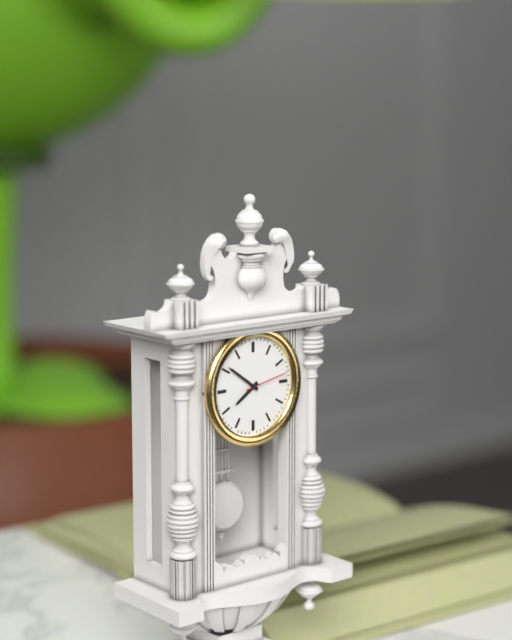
7h51
